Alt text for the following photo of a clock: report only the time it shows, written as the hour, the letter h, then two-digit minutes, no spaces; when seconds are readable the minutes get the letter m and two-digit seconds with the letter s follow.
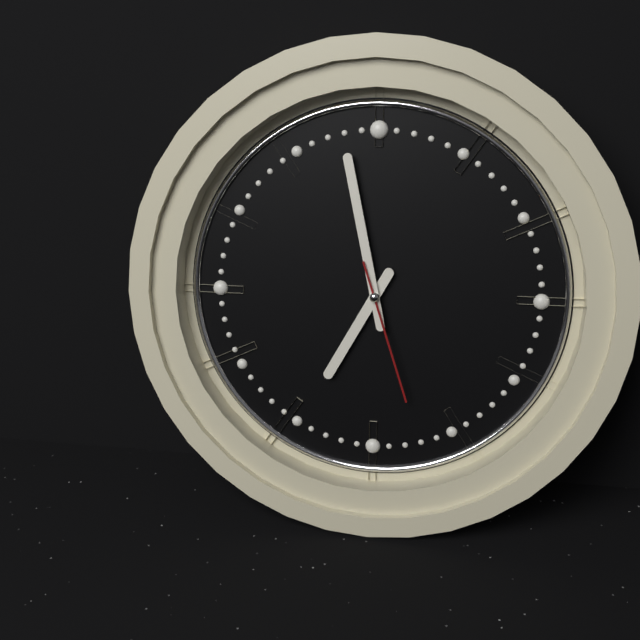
6h58m27s
